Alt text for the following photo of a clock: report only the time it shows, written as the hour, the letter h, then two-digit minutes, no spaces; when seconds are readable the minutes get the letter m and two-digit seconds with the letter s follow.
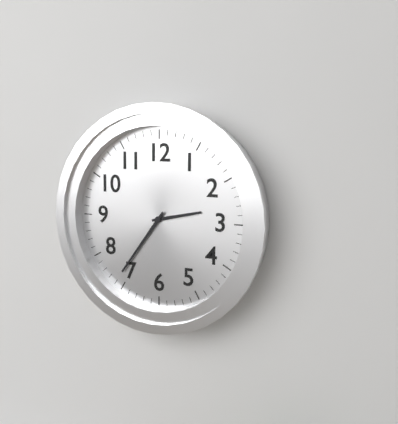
2h36
